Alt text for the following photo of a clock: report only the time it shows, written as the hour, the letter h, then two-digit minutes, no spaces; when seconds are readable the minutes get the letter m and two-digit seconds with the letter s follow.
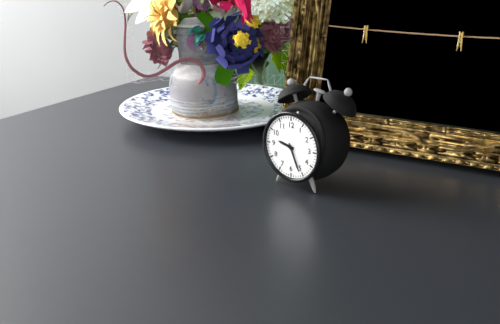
9h26
